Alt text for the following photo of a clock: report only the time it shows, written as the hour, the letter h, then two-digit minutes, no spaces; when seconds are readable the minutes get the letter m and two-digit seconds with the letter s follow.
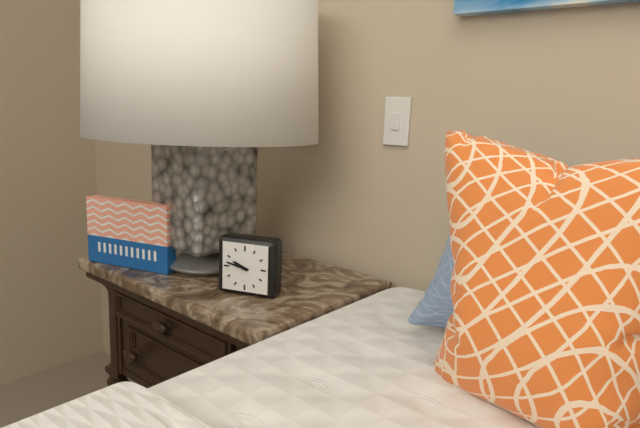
9h47
